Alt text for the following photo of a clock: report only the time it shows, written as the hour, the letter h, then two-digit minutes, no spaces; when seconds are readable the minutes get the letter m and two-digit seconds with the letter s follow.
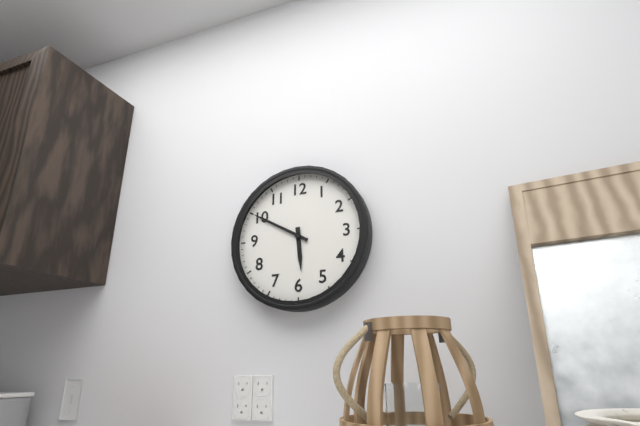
5h50
